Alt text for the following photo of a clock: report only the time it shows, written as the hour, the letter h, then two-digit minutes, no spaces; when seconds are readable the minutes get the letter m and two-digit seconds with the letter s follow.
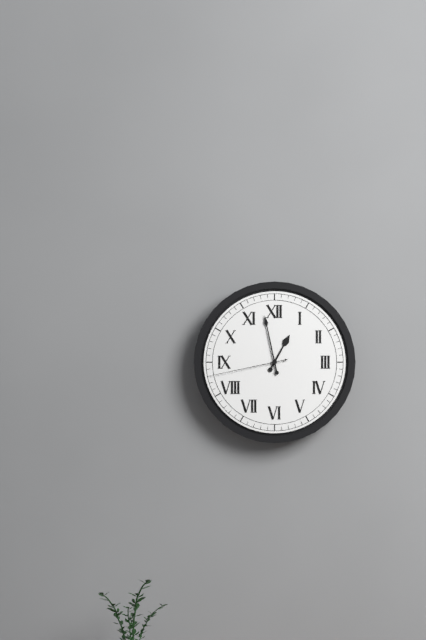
12h58m43s
